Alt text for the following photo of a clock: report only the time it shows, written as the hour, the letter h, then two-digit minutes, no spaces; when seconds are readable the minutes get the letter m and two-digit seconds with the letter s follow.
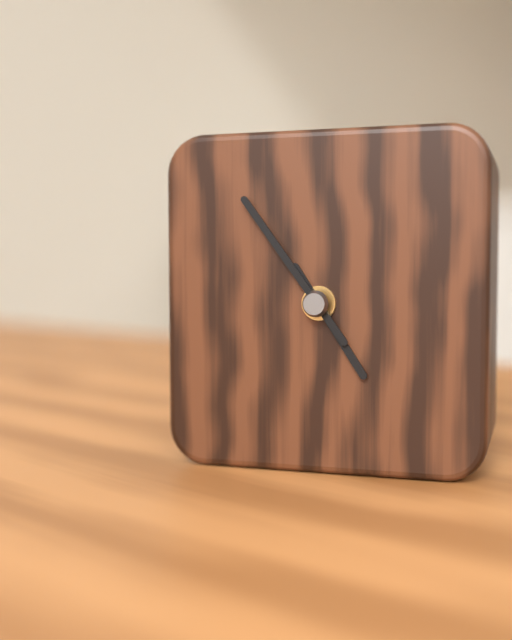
4h54
